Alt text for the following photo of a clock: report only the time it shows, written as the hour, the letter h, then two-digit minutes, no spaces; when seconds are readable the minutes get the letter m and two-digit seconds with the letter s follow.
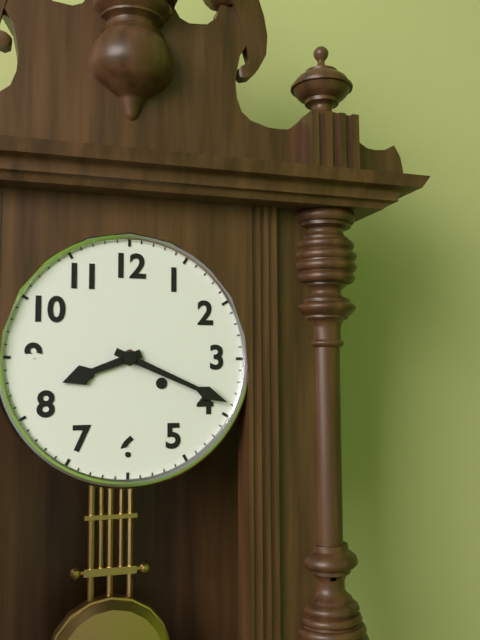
8h19
